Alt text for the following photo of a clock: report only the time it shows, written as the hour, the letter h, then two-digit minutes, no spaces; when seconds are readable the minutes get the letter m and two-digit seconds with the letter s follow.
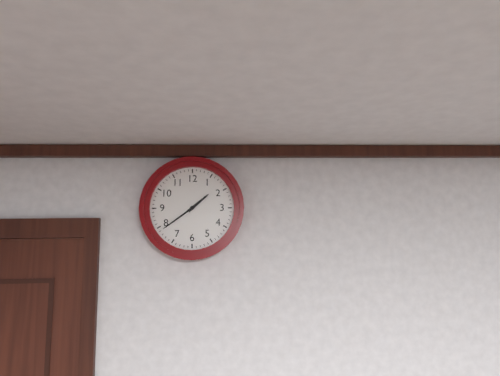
1h39
